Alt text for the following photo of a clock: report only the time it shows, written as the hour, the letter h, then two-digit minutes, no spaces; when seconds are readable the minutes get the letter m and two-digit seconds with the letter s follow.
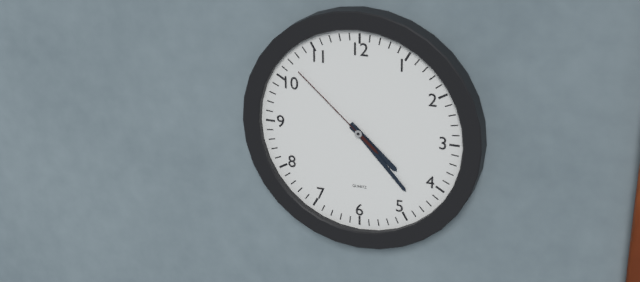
4h23m52s
